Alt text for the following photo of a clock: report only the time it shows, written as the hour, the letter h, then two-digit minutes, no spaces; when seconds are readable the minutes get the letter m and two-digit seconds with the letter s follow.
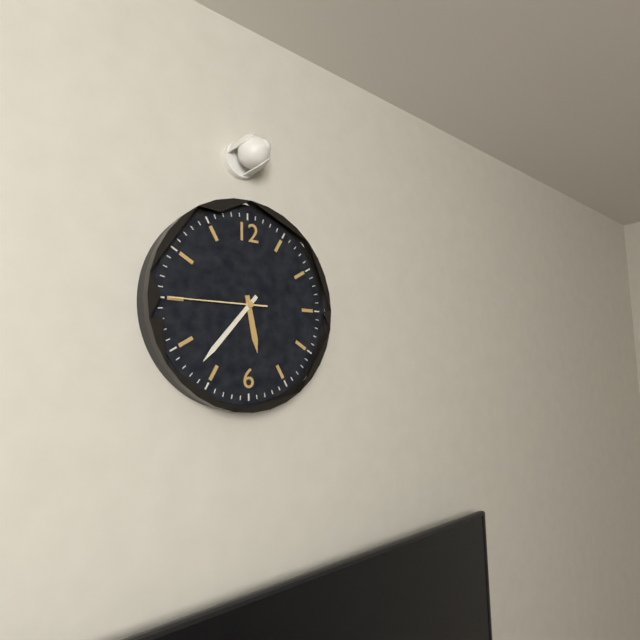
5h37m45s
